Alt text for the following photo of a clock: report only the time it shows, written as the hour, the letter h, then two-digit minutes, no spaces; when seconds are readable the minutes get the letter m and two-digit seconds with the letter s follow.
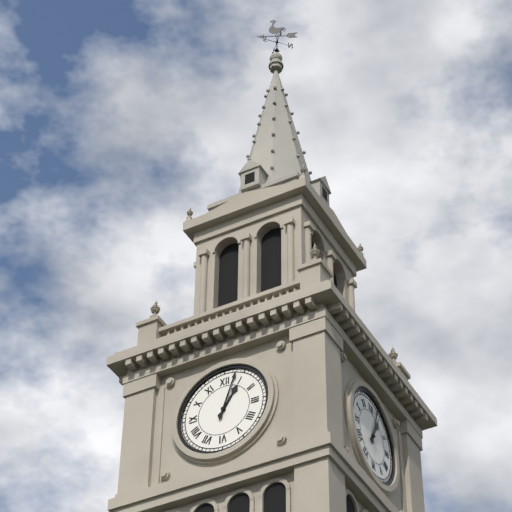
1h03
